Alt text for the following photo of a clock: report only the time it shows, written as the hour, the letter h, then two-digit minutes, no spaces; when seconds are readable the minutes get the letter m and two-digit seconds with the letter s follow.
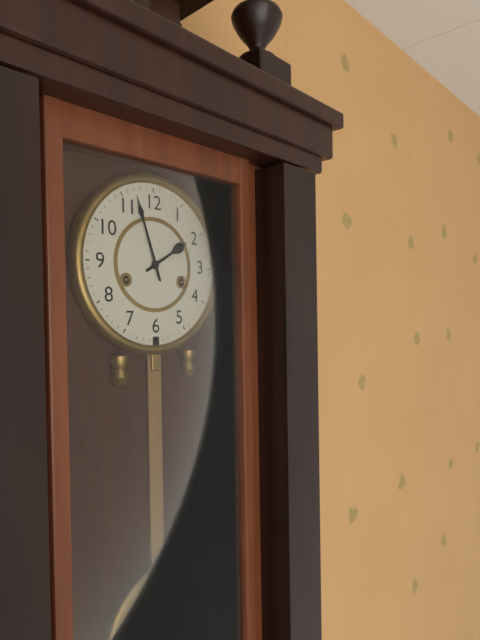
1h57
